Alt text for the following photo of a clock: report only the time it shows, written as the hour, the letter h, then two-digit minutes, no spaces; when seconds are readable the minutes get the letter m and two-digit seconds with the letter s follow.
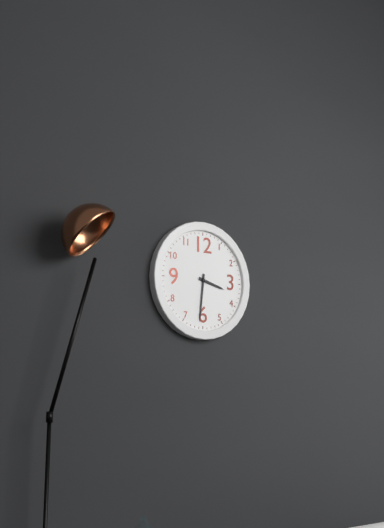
3h31
